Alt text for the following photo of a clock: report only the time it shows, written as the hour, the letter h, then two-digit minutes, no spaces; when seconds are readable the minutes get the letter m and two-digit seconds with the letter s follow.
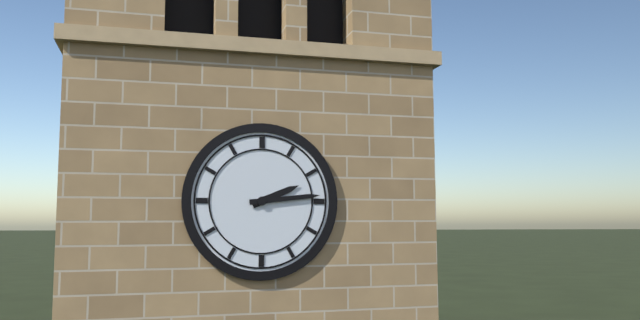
2h14
